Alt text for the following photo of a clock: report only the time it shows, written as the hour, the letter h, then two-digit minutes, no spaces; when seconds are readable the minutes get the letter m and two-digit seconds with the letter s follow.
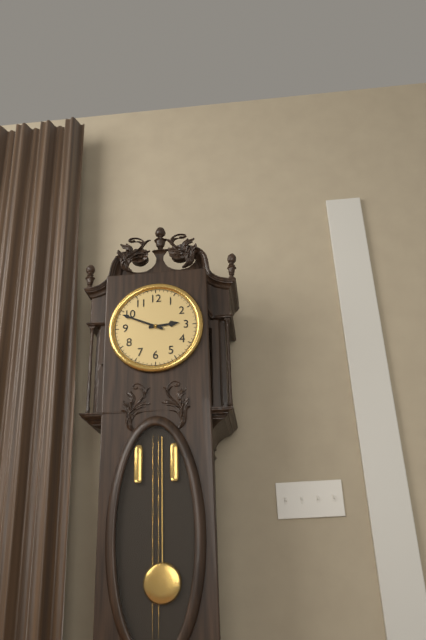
2h49
